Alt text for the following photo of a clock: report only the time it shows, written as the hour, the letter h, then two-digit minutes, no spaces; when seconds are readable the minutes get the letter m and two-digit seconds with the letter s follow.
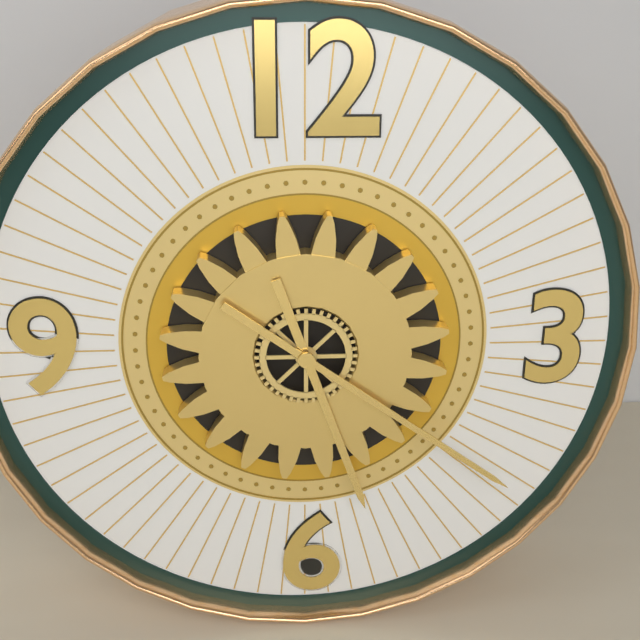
5h21
